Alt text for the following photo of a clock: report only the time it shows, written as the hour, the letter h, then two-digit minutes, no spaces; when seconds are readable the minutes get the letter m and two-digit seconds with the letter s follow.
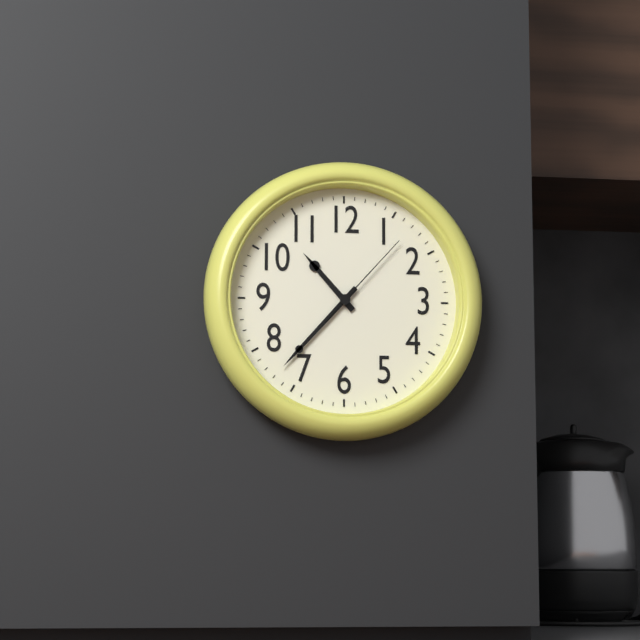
10h37m07s
